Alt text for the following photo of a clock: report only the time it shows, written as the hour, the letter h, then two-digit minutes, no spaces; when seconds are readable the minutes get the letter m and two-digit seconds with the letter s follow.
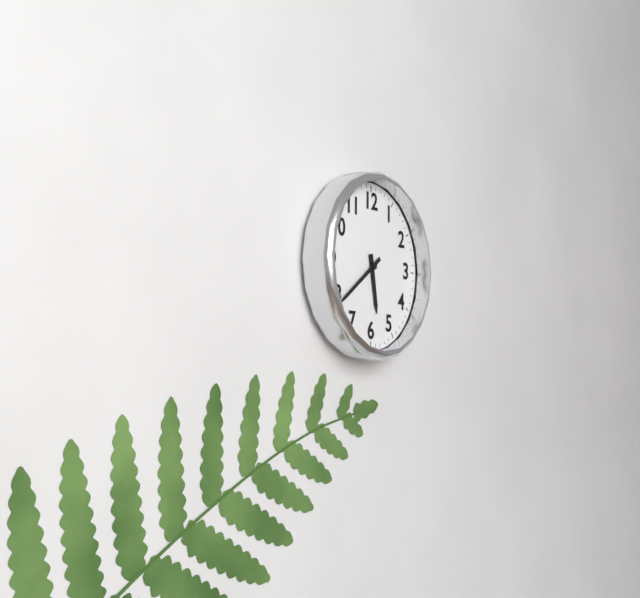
5h39
